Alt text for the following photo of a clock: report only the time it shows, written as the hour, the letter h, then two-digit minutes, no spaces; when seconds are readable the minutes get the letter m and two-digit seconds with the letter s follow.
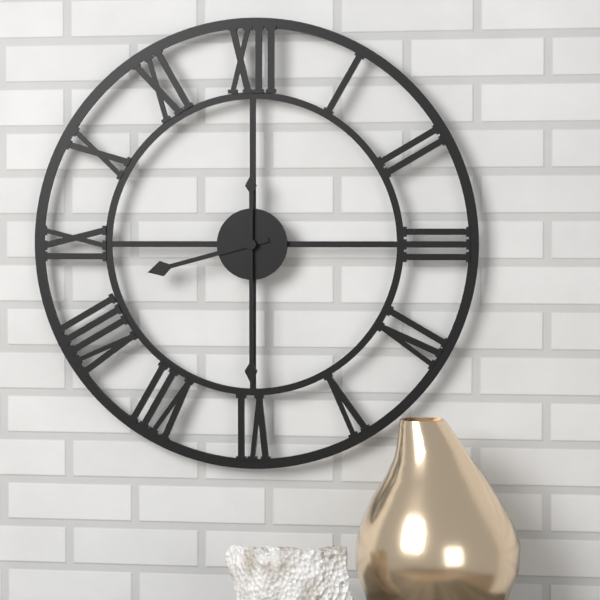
8h30
